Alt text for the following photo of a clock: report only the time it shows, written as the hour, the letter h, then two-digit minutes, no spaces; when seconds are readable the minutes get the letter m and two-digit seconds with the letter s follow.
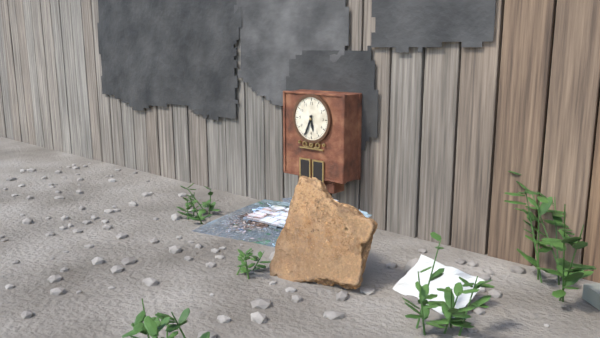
5h34
